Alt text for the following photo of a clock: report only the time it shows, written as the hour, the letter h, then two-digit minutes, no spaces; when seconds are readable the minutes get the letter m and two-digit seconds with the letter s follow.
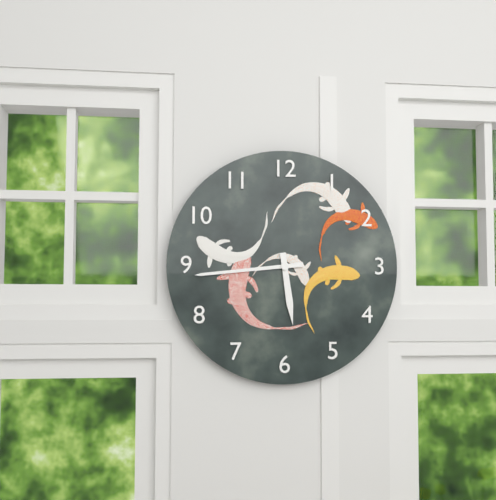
5h44
